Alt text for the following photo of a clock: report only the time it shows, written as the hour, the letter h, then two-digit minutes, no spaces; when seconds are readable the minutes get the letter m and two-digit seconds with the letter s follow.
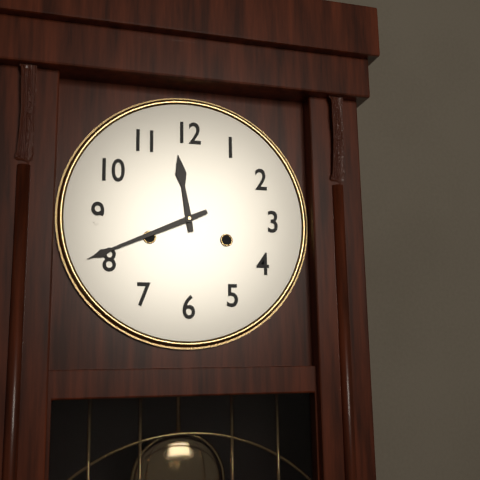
11h41
